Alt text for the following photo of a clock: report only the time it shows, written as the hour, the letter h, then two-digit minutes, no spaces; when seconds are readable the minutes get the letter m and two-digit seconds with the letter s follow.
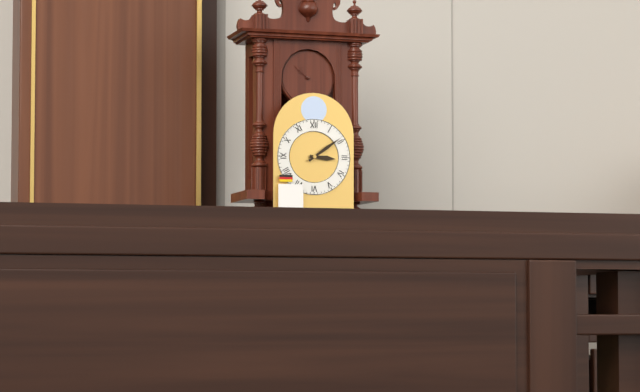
3h09
